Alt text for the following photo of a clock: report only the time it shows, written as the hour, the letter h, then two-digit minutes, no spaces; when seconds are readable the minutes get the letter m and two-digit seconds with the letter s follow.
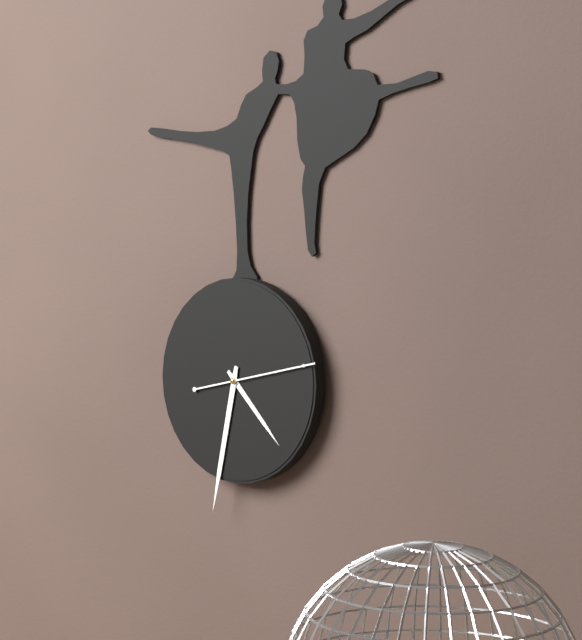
4h32m13s
